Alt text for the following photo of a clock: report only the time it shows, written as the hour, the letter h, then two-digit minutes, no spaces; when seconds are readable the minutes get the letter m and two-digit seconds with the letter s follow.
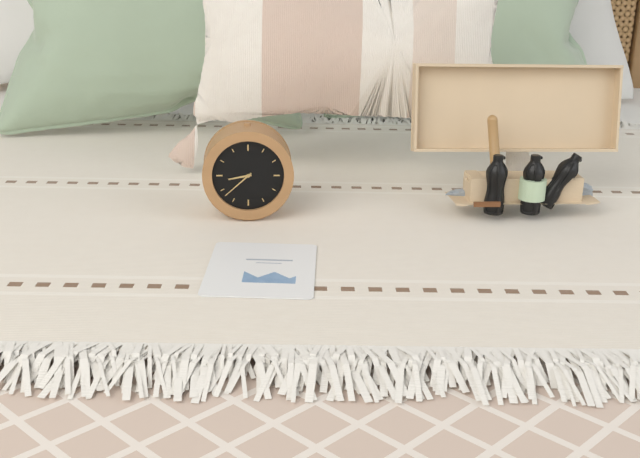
8h38
